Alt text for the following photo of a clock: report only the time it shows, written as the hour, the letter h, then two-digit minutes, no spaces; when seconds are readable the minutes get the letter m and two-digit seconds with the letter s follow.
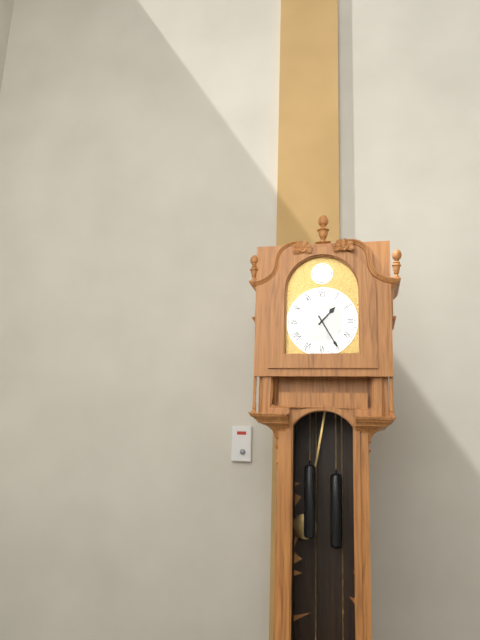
1h25
